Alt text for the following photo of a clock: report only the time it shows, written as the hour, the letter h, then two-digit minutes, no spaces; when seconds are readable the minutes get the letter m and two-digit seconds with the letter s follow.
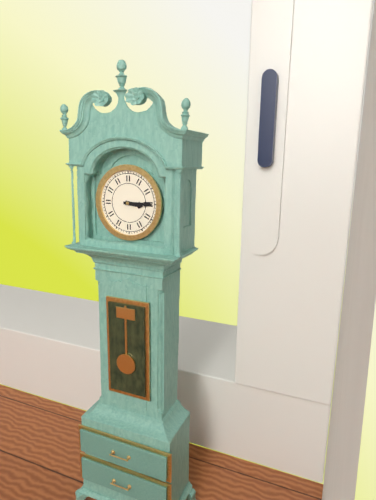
3h15
